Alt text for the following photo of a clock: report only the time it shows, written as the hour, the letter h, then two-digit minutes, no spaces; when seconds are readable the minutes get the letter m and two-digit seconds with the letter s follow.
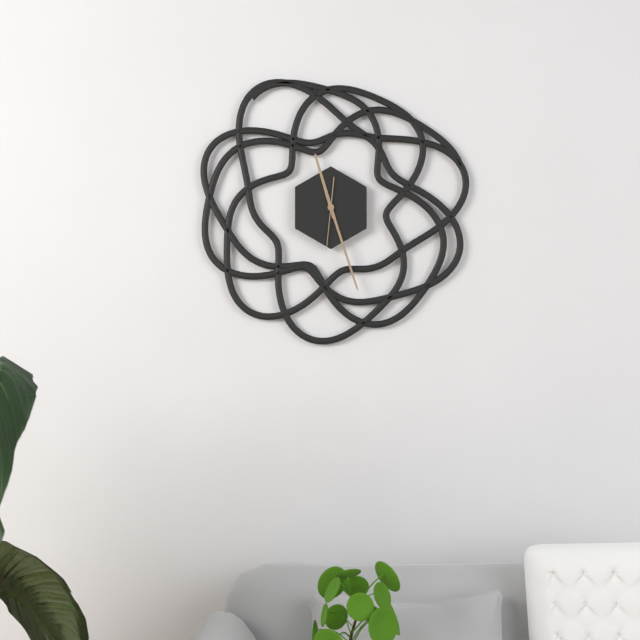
11h27m31s
